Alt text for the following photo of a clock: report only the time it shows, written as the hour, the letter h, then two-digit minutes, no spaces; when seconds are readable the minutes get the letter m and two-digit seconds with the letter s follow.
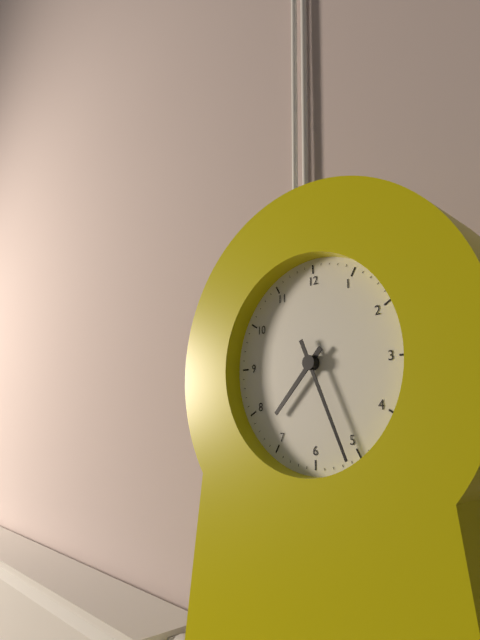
7h26
